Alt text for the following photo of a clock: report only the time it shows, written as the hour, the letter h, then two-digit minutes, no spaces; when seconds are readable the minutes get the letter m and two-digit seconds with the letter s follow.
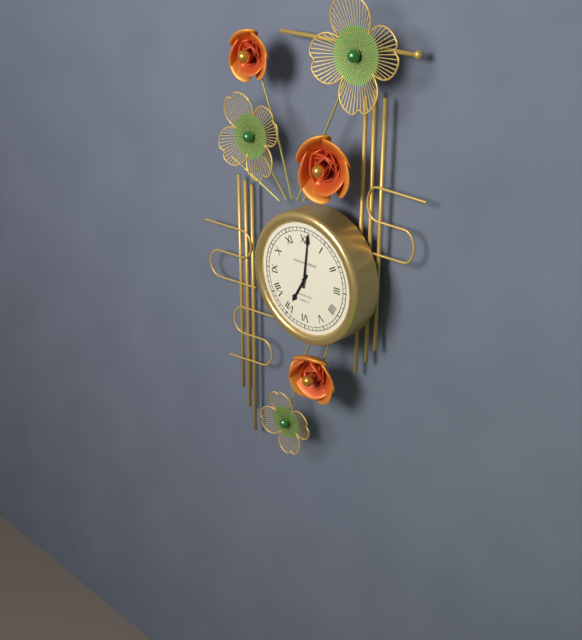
7h01
